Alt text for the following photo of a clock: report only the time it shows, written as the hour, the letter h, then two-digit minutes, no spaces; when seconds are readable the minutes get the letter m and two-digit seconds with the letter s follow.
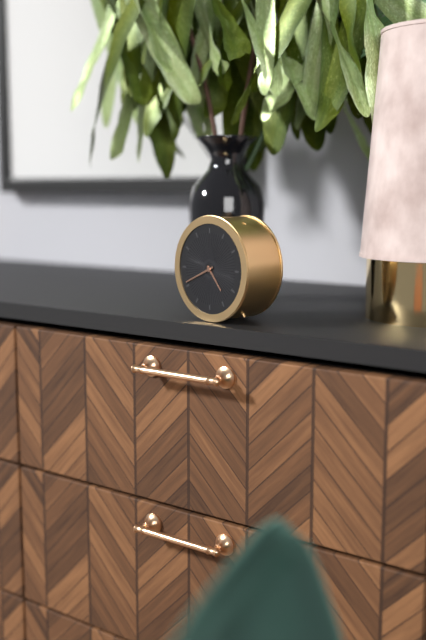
4h41
